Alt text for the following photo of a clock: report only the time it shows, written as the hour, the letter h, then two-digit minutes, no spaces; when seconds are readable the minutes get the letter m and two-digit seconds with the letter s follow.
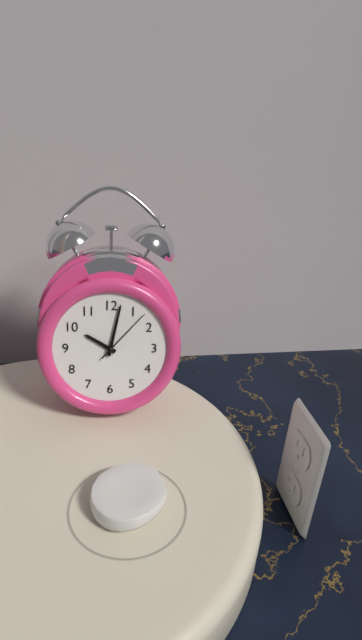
10h02m07s
